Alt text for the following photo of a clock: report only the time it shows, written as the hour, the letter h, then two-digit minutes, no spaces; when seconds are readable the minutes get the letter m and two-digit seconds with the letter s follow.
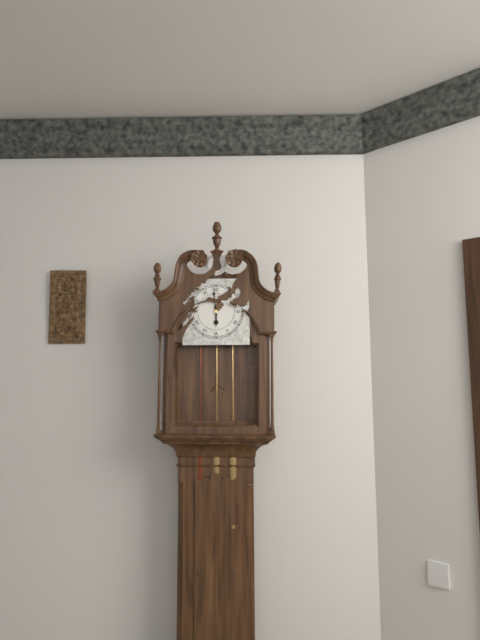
5h59
